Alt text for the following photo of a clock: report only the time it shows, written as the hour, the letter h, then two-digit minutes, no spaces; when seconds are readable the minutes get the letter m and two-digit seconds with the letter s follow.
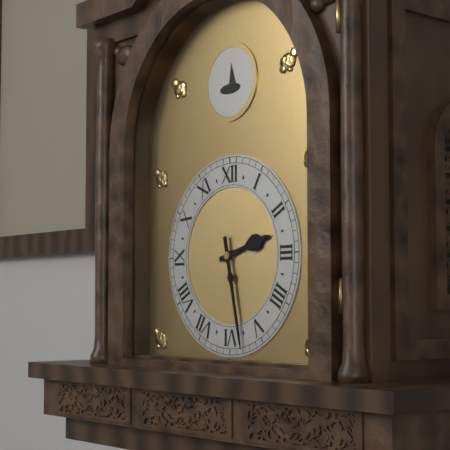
2h28
